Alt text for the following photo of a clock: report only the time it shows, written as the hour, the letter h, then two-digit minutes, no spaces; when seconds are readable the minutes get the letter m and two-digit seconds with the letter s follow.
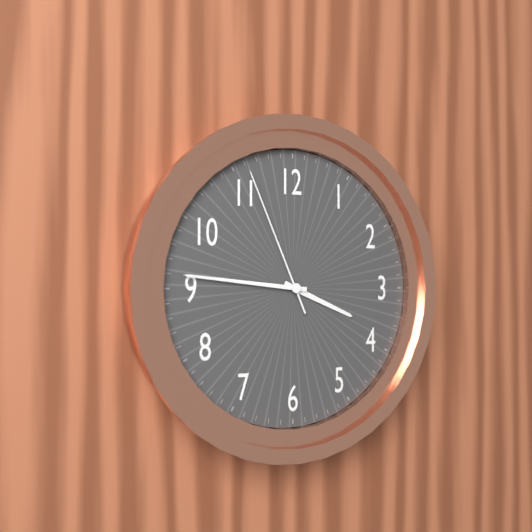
3h46m56s
